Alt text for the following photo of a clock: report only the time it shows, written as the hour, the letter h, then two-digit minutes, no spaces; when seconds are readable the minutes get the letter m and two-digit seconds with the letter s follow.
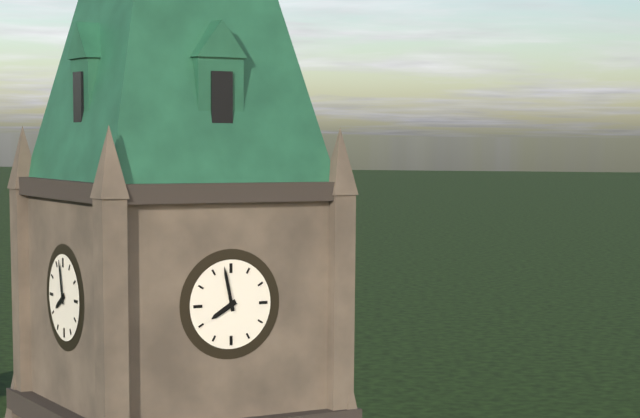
7h58
